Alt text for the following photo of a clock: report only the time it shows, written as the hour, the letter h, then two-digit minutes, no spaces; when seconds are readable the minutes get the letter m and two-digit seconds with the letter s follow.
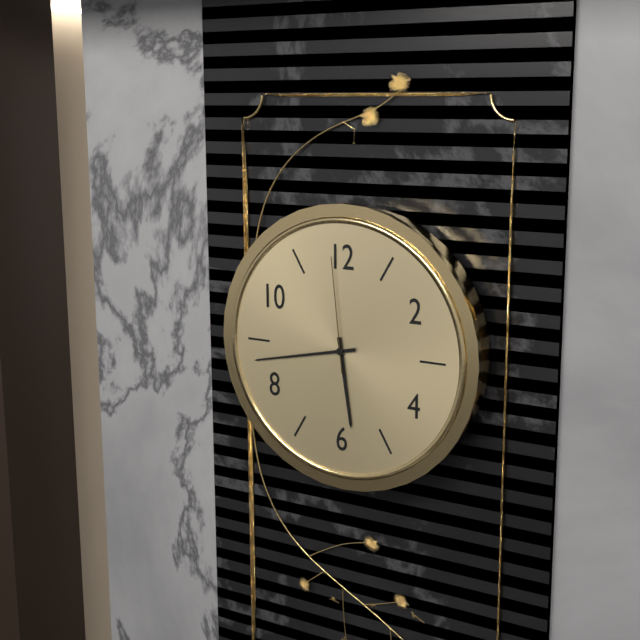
5h43m59s
